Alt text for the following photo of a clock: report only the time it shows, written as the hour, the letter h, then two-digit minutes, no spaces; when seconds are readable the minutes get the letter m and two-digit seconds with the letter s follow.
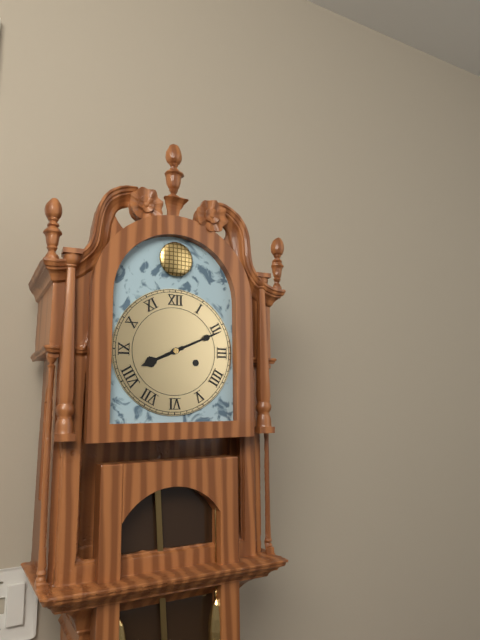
8h11
